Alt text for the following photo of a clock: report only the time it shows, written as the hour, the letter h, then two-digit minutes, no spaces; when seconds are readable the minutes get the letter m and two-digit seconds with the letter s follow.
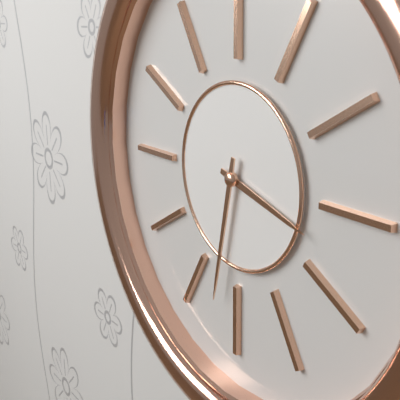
3h32
